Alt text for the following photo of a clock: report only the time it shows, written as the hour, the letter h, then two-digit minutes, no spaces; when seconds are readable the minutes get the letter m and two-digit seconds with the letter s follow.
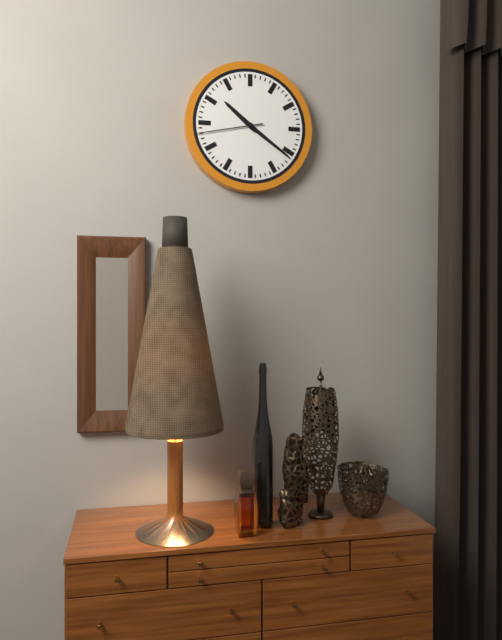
10h21m43s
